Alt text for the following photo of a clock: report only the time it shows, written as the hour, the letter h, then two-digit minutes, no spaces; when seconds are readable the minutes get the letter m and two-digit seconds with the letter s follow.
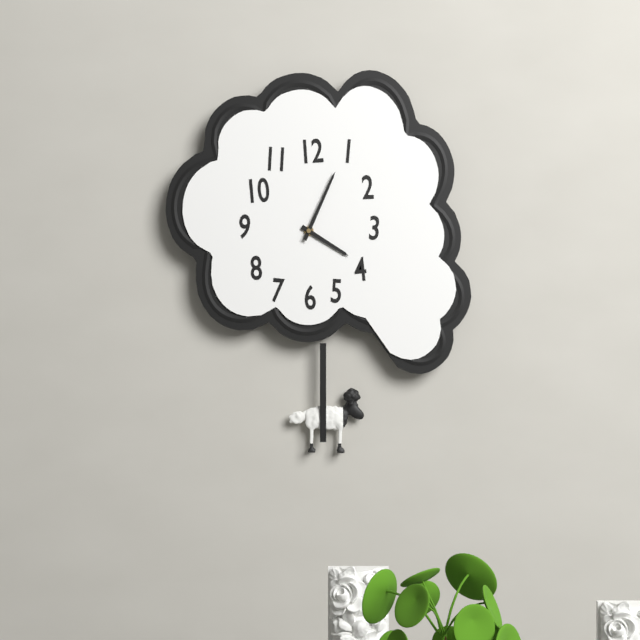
4h04
